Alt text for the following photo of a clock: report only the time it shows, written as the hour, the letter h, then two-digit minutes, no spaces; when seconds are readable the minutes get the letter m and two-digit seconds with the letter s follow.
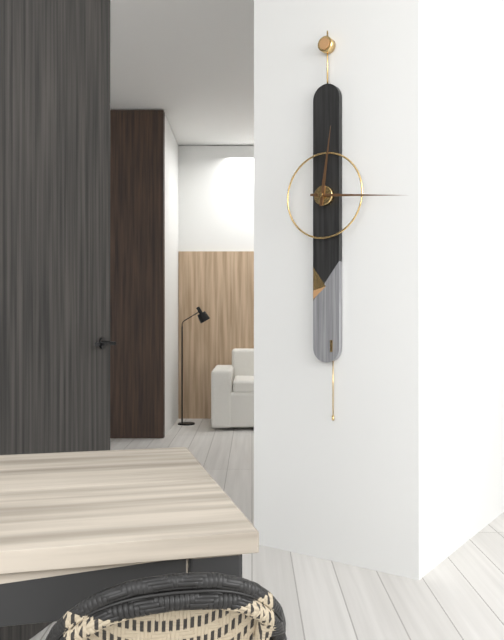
12h16
